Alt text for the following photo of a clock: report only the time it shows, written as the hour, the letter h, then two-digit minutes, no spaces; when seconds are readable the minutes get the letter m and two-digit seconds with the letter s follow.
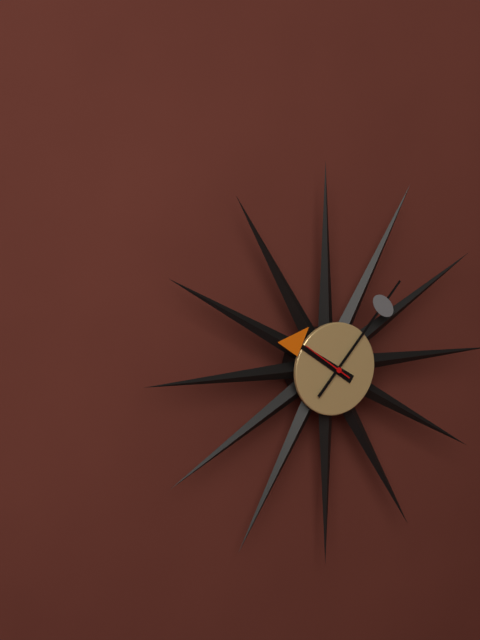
10h07
